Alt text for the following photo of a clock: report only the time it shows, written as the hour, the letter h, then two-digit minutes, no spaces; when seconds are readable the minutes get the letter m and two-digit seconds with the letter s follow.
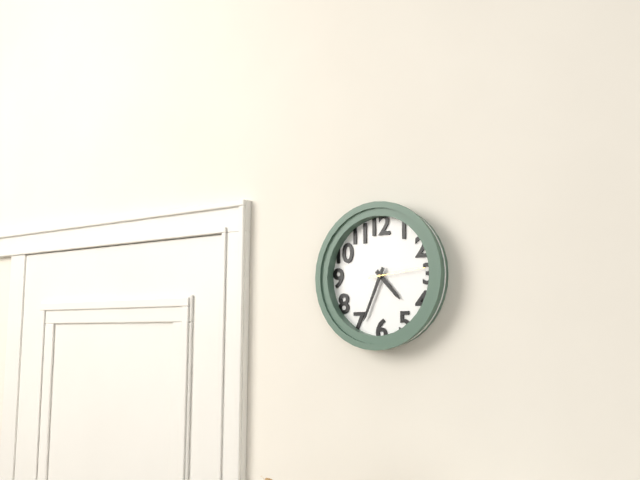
4h34m14s
